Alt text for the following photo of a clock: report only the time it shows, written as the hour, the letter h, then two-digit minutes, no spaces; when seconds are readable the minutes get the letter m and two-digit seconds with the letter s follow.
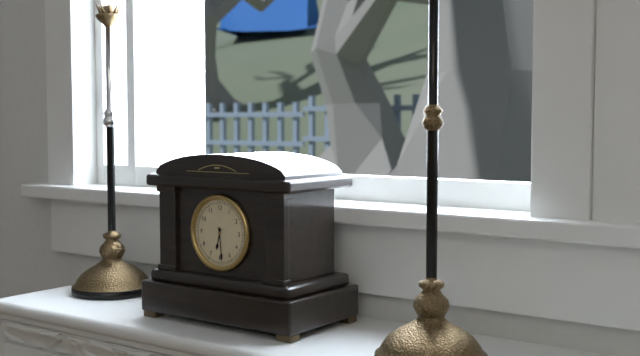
6h29
